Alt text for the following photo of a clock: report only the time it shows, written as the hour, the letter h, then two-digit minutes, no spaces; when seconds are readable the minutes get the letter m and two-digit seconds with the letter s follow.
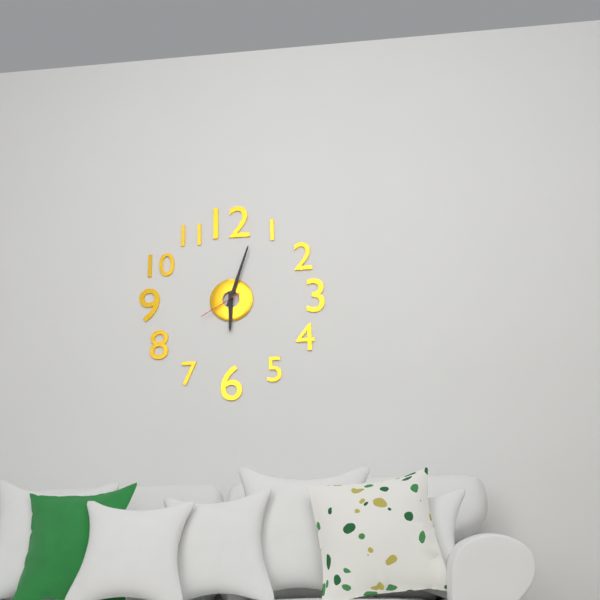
6h03
